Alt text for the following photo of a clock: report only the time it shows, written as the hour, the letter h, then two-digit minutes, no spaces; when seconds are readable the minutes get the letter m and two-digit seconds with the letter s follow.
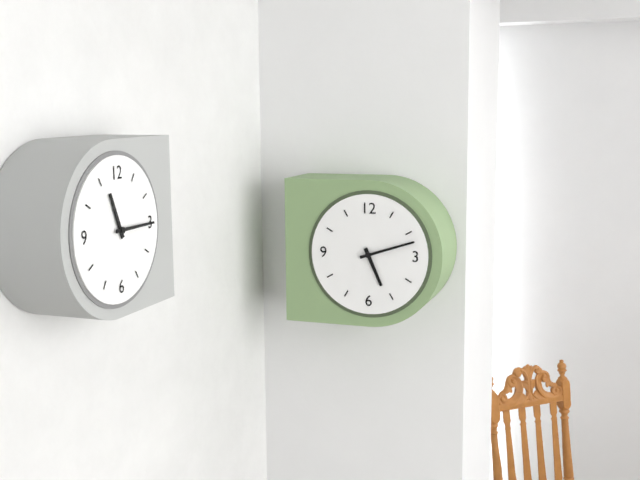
5h12
